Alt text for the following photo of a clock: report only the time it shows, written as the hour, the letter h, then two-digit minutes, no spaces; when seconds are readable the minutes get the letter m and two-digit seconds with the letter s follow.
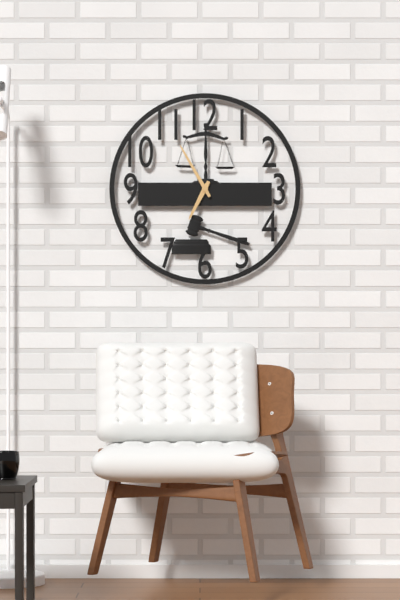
6h55
